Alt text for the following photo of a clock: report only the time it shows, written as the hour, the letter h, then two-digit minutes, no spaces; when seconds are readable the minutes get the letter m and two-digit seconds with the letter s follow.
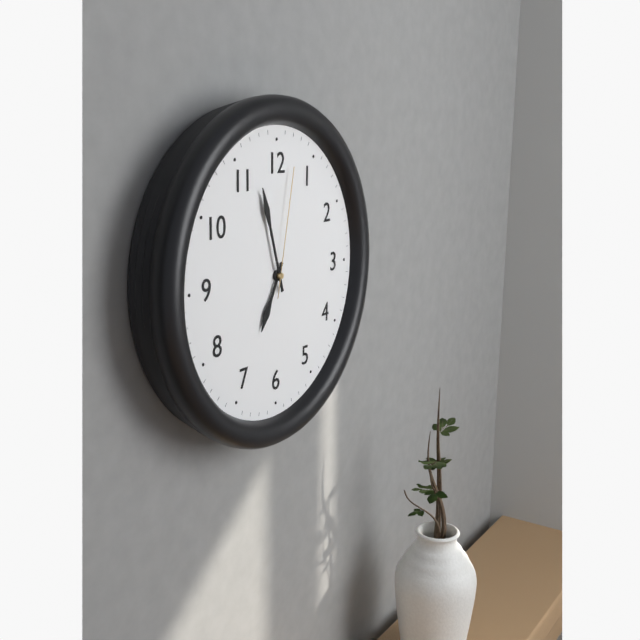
6h57m02s
